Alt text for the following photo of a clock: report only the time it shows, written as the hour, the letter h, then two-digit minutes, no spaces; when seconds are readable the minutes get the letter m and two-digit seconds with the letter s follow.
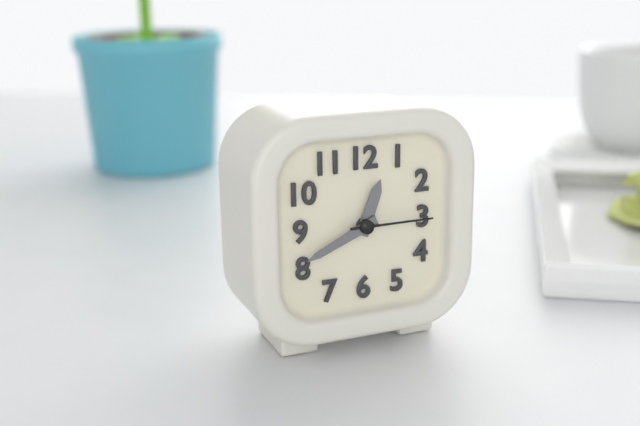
12h41m15s
